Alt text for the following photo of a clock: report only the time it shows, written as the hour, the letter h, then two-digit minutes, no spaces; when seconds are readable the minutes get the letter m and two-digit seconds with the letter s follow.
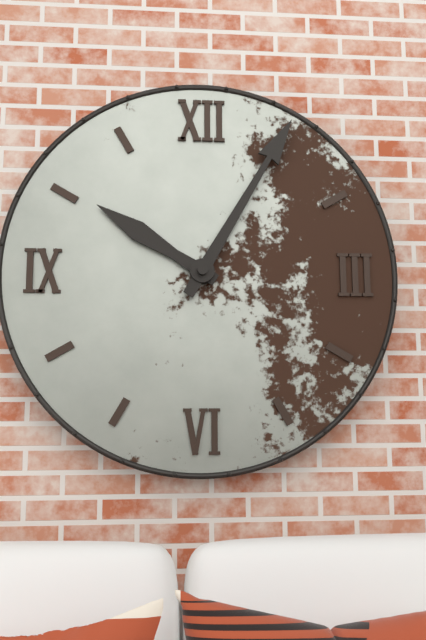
10h05
